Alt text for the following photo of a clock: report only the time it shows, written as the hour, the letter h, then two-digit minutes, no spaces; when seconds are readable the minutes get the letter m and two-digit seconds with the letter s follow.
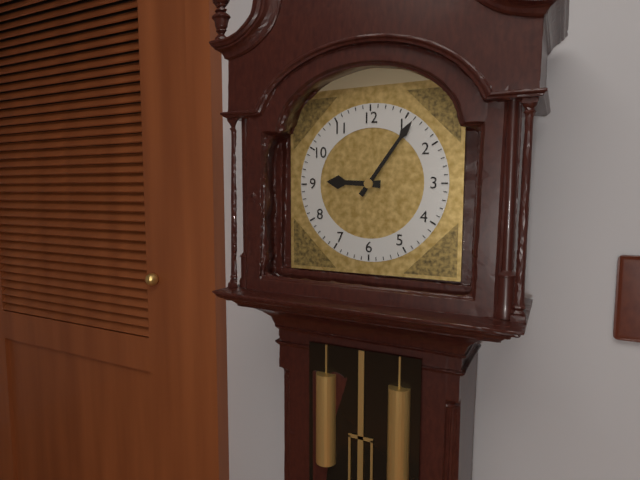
9h06
